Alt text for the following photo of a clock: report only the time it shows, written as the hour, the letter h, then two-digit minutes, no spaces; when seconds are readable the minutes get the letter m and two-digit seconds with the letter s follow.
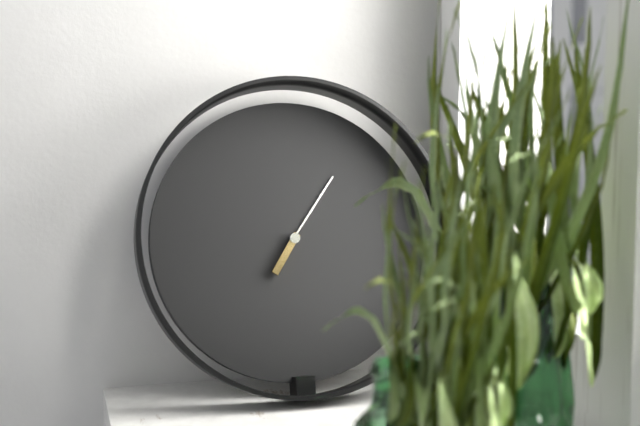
7h06
